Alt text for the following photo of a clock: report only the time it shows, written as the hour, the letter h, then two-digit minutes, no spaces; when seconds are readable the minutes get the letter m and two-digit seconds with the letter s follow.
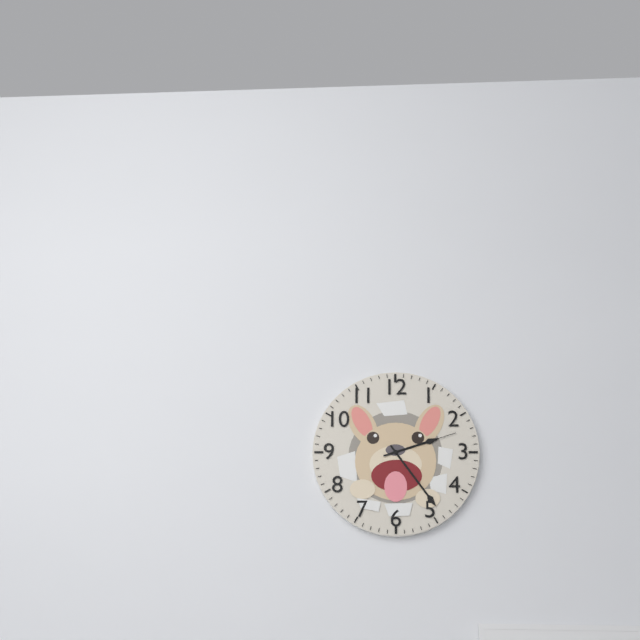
2h24m12s
